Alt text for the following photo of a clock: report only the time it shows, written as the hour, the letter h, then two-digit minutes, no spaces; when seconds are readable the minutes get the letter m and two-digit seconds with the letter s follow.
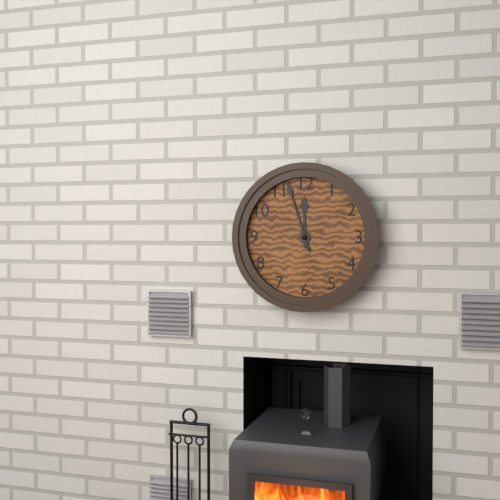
11h57
